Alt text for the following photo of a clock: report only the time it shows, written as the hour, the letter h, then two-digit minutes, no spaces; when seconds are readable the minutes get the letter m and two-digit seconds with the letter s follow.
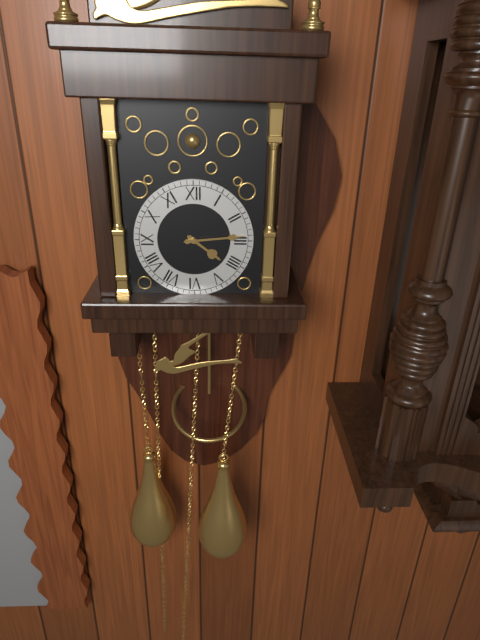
4h14
